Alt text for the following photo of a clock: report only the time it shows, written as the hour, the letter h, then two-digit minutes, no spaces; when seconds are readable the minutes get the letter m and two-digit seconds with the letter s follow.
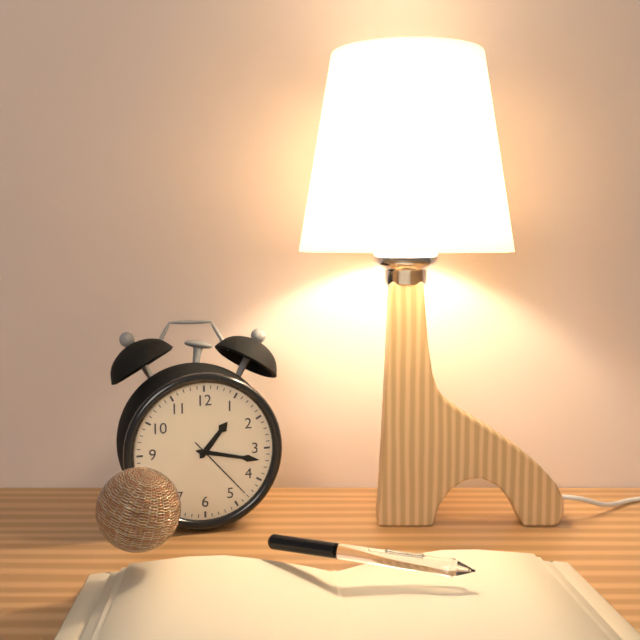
1h17m23s
